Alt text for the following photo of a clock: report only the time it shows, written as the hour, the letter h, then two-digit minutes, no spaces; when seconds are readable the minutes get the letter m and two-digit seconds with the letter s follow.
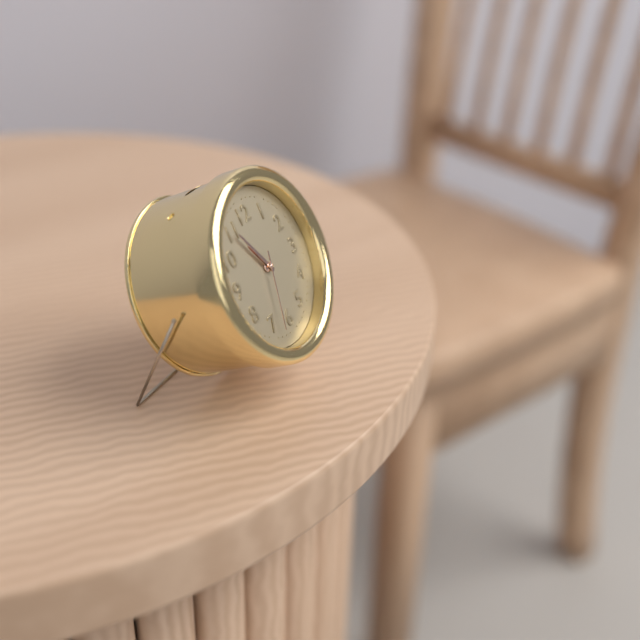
10h55m33s
